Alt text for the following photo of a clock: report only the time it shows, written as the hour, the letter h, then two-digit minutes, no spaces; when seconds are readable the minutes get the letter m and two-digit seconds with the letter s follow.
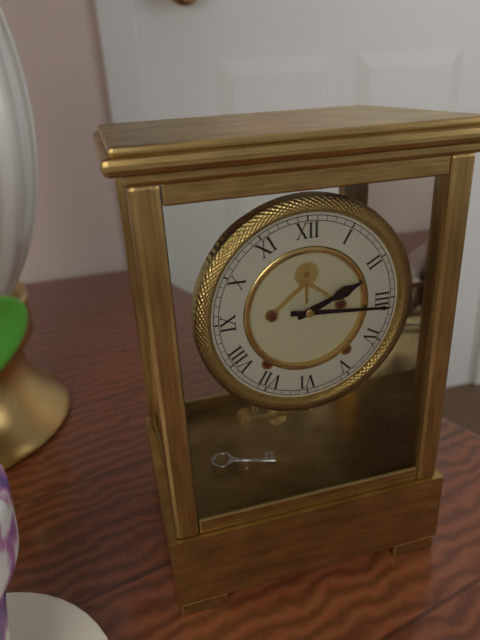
2h16
